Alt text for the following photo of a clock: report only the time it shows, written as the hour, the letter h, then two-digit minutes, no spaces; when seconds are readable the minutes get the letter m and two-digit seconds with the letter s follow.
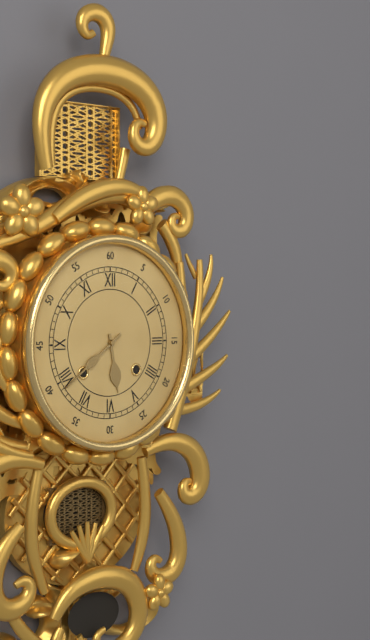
5h39
